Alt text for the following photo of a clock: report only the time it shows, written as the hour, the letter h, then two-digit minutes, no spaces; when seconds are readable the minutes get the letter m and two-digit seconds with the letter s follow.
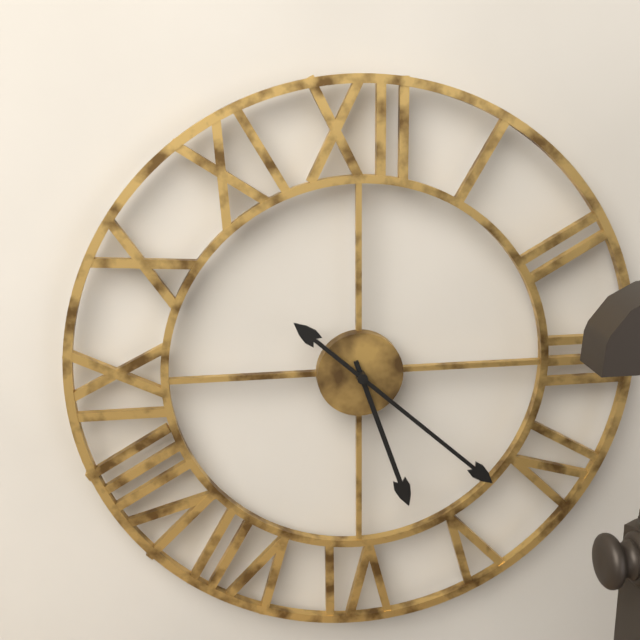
5h22
